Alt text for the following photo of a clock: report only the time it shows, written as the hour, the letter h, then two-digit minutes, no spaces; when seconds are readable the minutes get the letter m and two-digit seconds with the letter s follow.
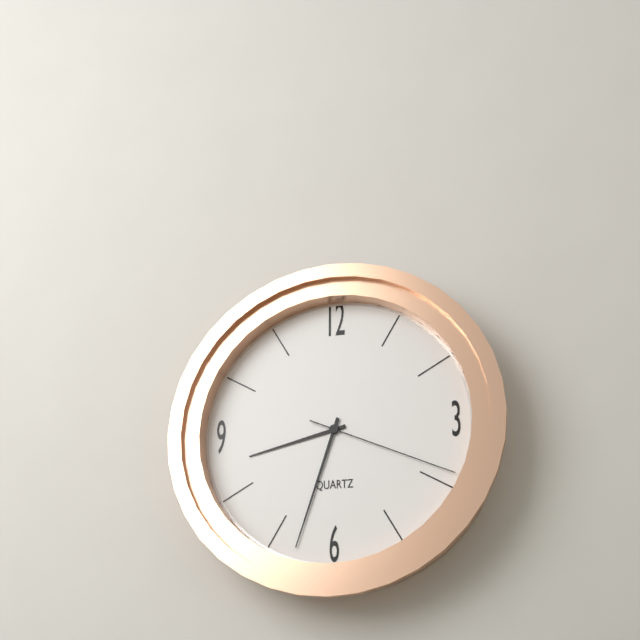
8h33m19s
